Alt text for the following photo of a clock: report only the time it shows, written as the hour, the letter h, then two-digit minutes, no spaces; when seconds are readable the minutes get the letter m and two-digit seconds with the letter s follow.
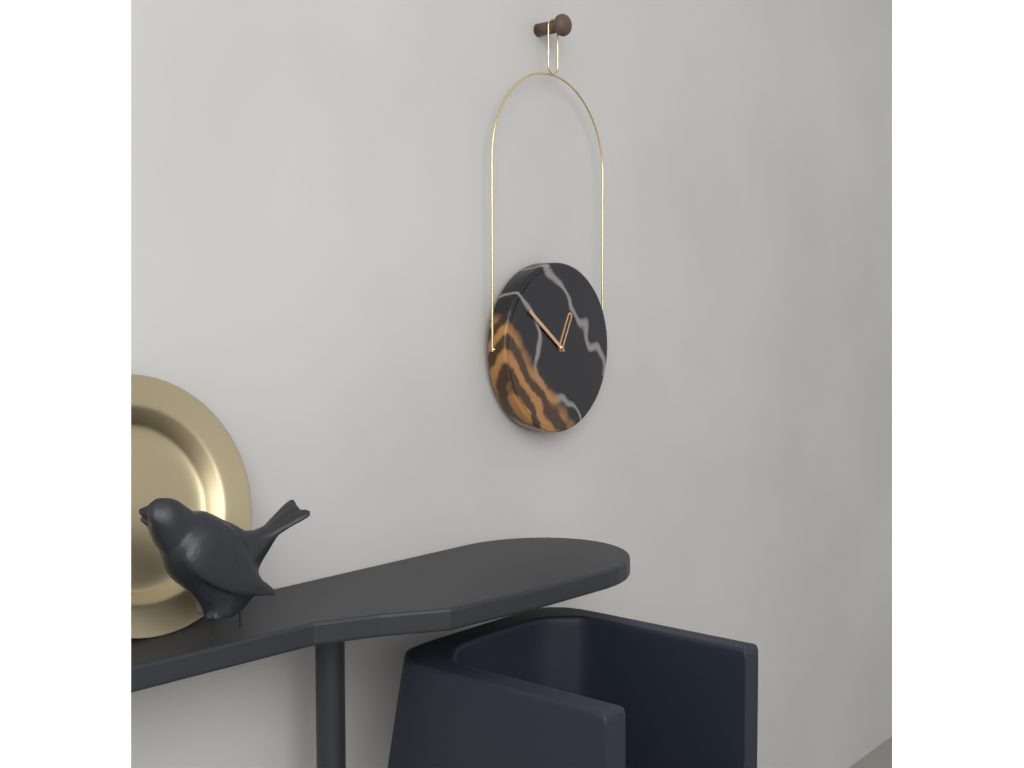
12h51
